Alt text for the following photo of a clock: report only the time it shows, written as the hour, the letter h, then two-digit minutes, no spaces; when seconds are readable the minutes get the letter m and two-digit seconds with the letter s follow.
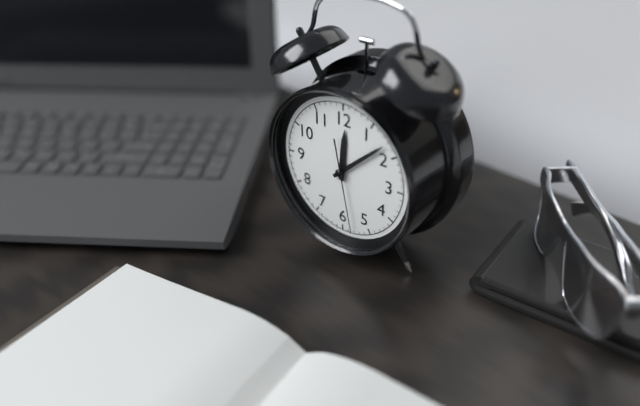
12h08m28s
